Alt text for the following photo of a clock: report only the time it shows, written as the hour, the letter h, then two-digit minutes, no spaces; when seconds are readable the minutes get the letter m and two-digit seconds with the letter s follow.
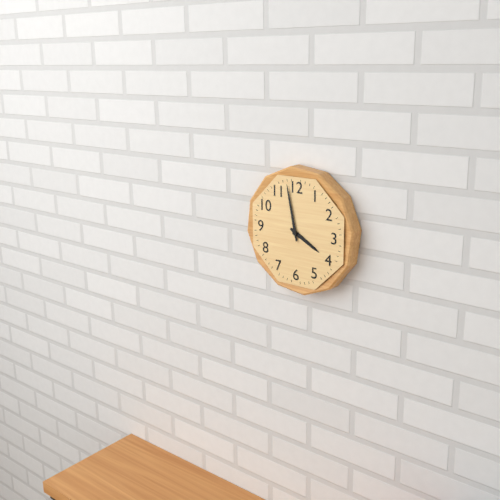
3h58
